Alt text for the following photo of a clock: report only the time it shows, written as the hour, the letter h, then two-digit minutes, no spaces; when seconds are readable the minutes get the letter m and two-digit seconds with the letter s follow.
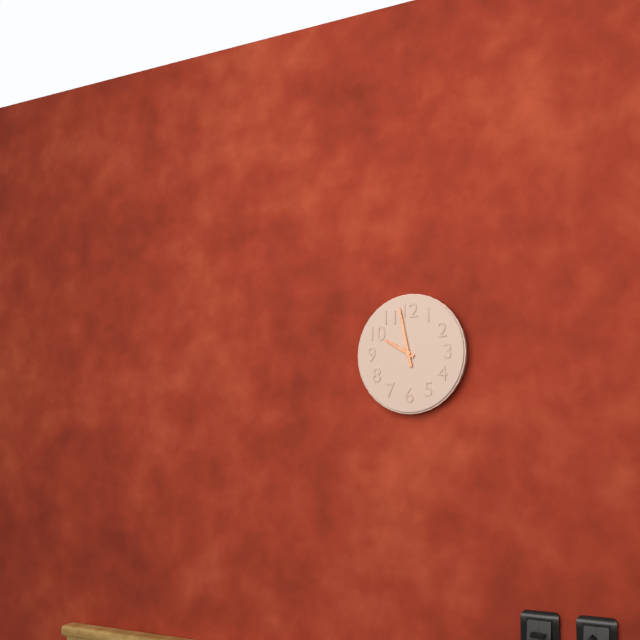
9h58
